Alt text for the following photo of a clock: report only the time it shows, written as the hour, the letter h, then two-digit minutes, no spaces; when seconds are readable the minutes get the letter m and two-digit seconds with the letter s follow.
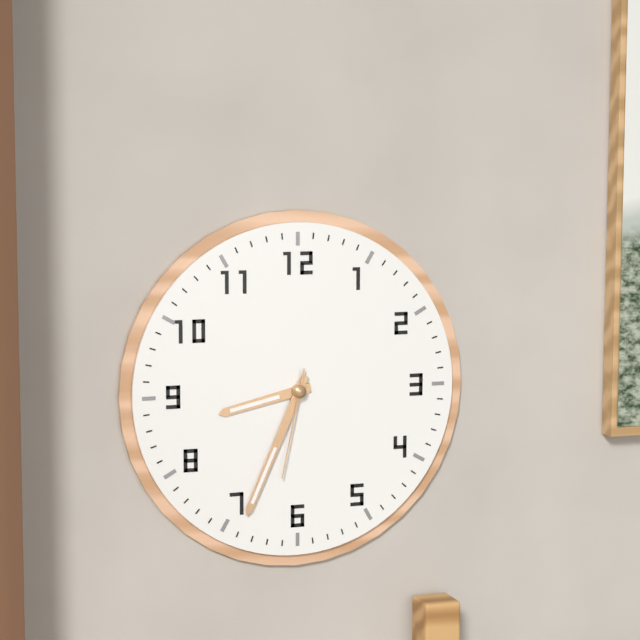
8h34m32s
